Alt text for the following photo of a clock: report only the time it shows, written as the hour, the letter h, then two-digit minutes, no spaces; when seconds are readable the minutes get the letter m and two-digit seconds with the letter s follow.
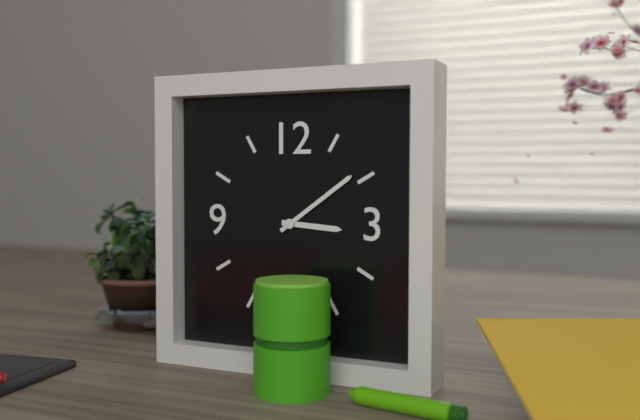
3h09
